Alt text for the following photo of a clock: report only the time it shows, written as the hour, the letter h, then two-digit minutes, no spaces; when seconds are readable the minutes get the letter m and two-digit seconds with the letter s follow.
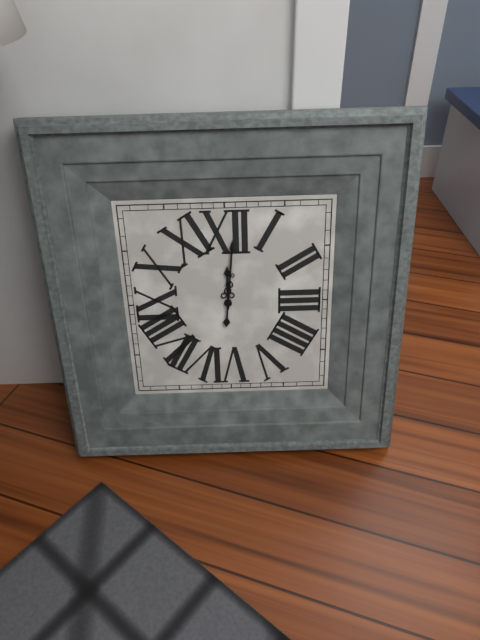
12h01
